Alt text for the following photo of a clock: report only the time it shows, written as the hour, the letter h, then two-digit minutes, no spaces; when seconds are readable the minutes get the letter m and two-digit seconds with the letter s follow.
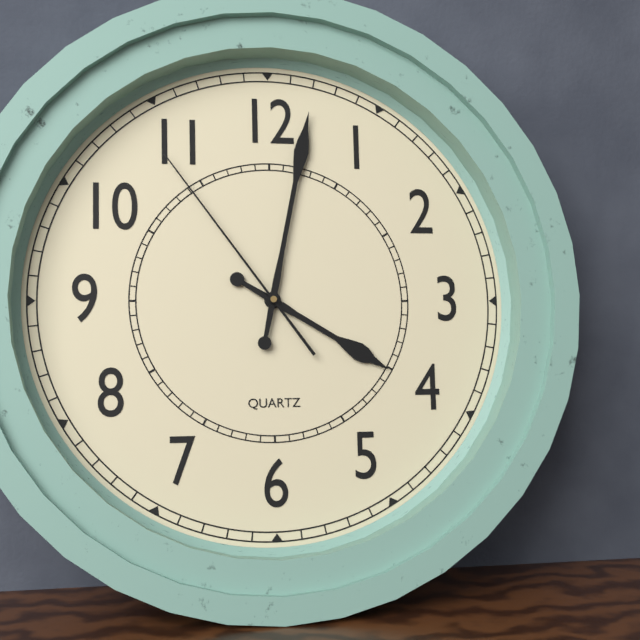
4h02m54s
